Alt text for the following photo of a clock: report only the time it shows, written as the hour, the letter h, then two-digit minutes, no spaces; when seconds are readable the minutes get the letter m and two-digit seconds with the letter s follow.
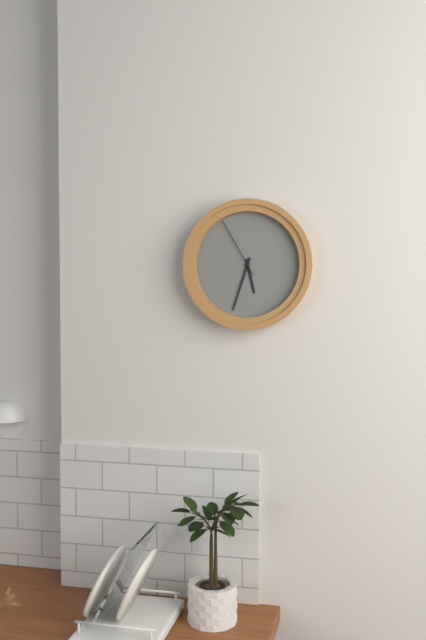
5h33m55s
